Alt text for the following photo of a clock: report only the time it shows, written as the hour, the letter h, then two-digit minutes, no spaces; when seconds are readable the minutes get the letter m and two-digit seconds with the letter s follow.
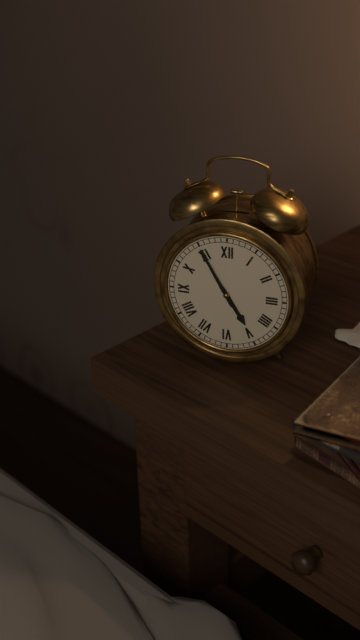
4h55
